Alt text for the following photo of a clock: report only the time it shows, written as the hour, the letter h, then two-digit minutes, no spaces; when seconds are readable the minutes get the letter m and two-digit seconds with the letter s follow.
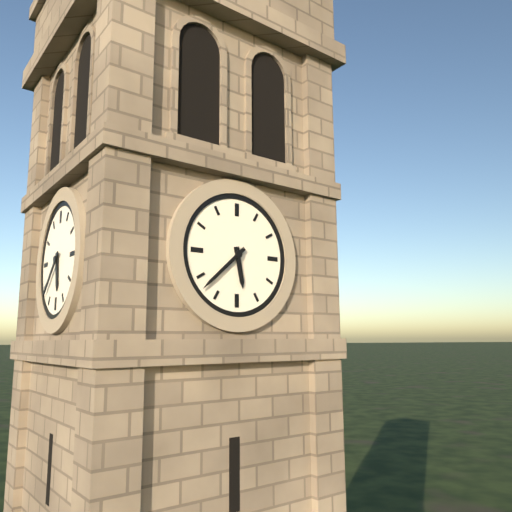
5h38
